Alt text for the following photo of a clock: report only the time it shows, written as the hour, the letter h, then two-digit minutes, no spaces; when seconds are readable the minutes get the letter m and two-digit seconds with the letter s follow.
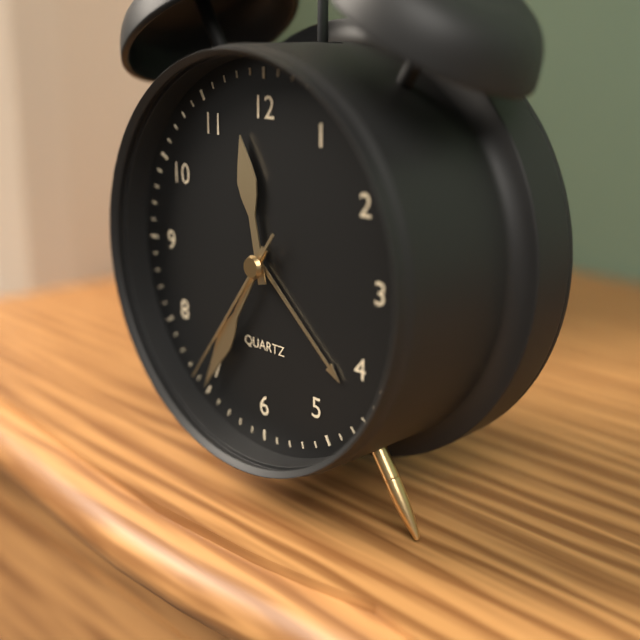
11h35m36s
